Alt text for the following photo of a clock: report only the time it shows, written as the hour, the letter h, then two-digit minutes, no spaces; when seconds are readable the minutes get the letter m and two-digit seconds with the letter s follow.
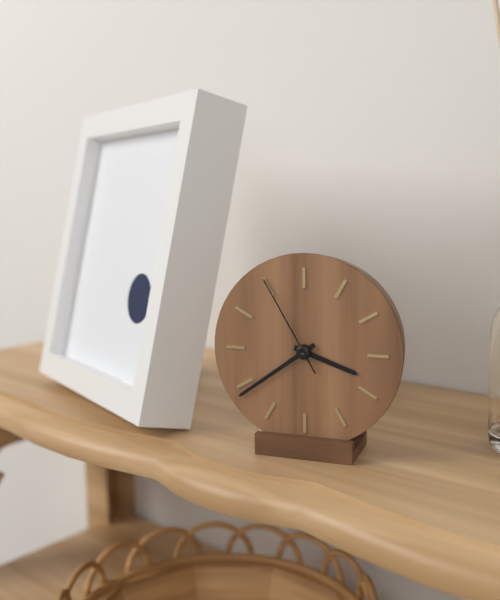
3h39m55s
